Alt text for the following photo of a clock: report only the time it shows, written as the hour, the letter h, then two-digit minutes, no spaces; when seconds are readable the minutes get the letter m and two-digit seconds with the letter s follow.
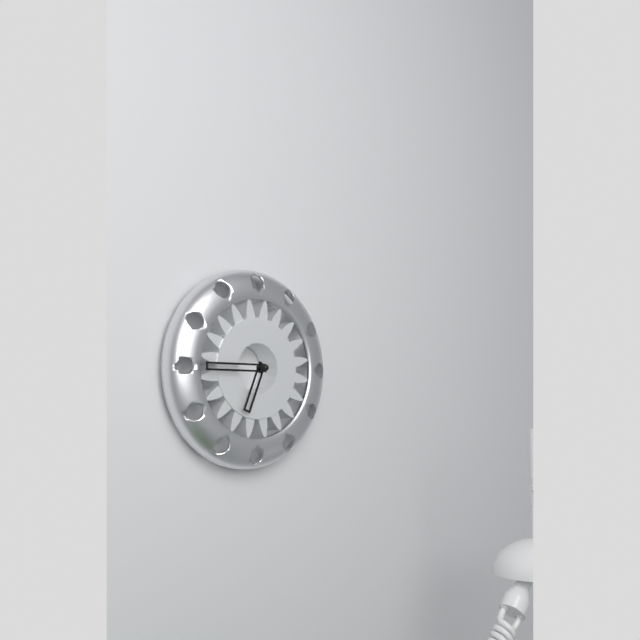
6h45
